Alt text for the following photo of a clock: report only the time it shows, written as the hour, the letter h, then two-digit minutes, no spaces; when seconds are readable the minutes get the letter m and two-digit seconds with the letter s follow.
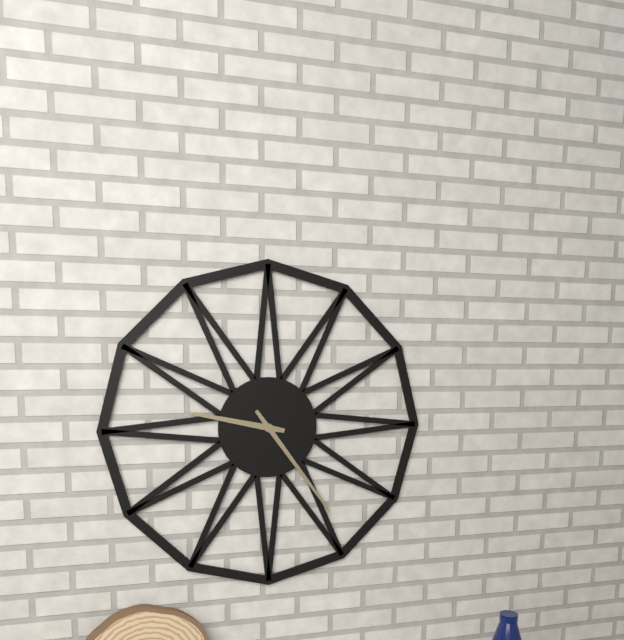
9h24
